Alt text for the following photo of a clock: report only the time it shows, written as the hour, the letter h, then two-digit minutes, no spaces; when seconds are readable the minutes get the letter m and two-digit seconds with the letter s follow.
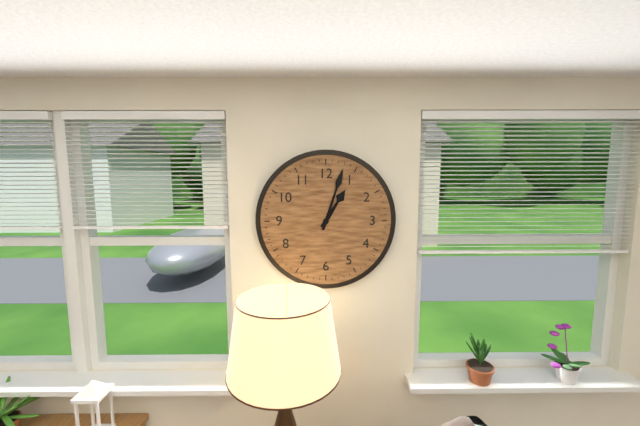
1h03
